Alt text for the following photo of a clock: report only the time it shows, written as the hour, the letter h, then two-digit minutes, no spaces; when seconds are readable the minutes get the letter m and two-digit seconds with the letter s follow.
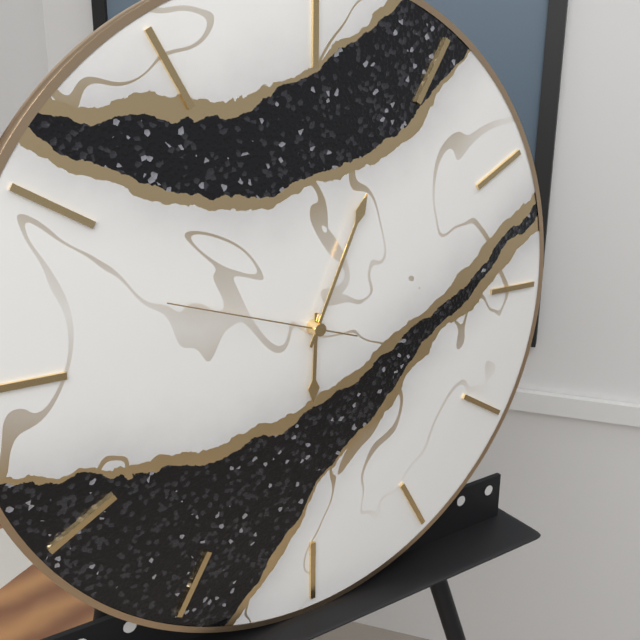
6h04m48s
